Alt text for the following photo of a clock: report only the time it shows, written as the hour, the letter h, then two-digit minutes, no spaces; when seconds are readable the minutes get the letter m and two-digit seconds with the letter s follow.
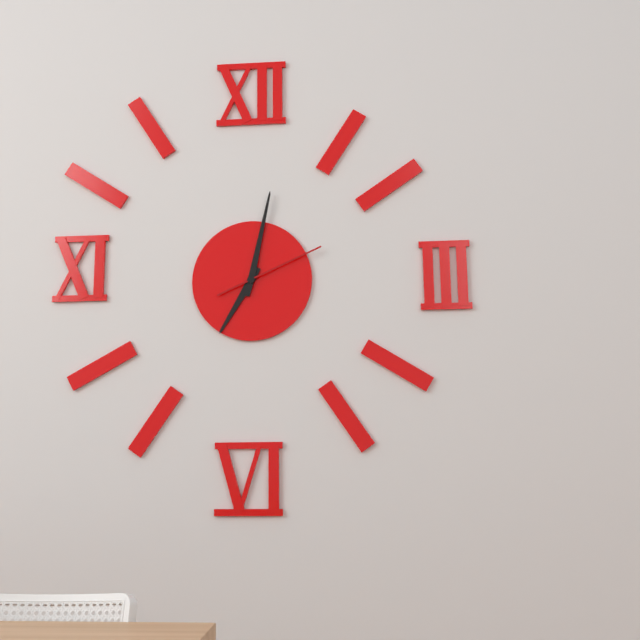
7h02m11s
